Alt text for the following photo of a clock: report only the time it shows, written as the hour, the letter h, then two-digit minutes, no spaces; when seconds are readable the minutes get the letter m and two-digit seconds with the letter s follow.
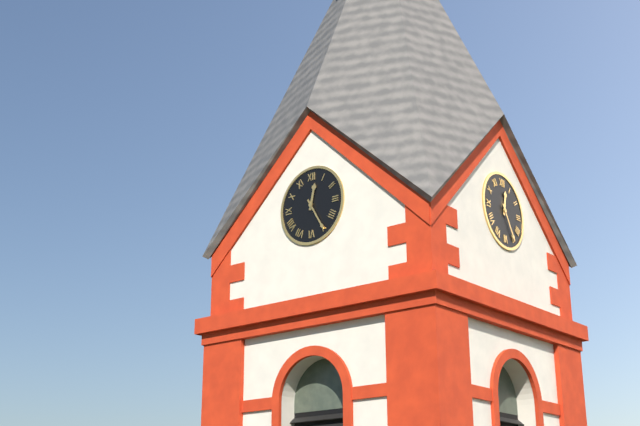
12h25
